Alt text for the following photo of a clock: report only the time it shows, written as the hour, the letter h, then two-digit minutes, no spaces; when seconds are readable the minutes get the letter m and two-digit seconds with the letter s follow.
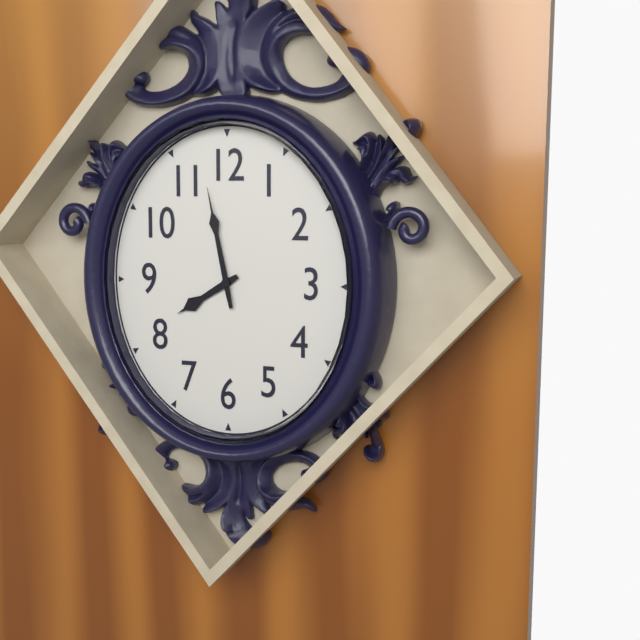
7h58
